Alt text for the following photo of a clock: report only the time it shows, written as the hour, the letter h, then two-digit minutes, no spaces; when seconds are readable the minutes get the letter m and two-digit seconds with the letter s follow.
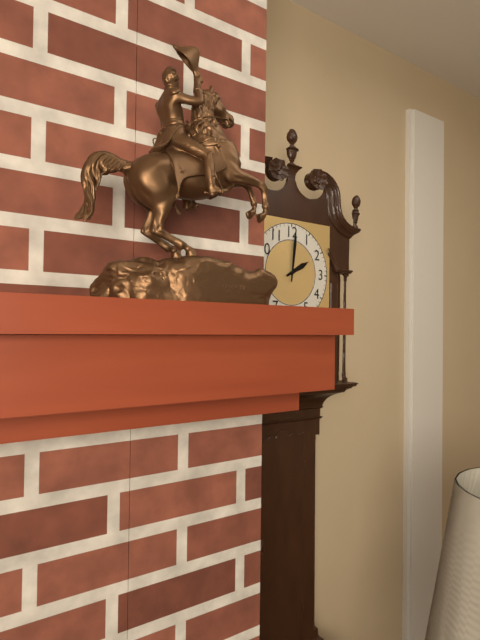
2h01
